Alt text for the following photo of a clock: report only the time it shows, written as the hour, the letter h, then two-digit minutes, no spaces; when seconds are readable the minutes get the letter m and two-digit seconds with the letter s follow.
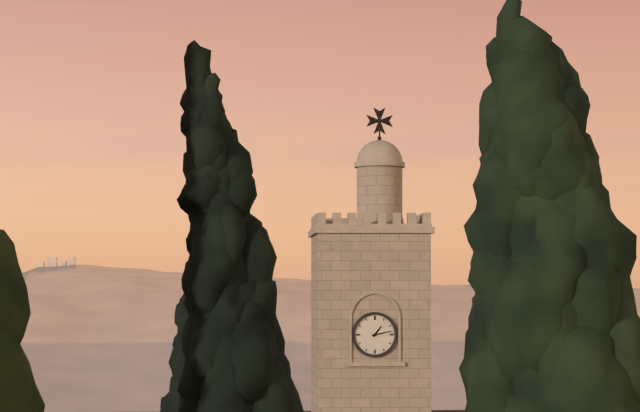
1h13
